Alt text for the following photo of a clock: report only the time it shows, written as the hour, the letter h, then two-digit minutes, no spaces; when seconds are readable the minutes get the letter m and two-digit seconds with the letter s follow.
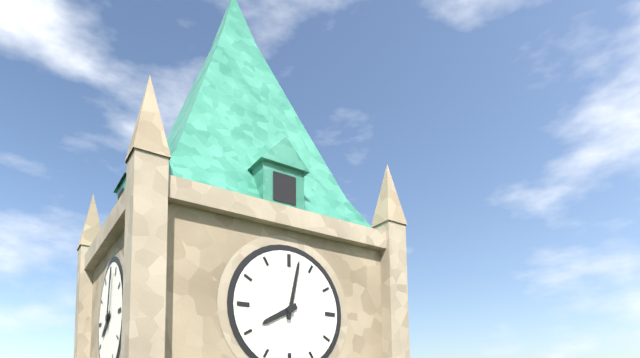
8h02
